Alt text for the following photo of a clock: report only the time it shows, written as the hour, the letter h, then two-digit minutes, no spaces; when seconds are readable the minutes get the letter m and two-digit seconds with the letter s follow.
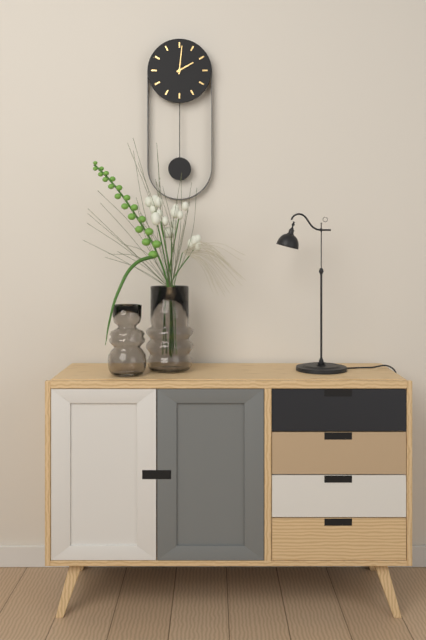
2h01
